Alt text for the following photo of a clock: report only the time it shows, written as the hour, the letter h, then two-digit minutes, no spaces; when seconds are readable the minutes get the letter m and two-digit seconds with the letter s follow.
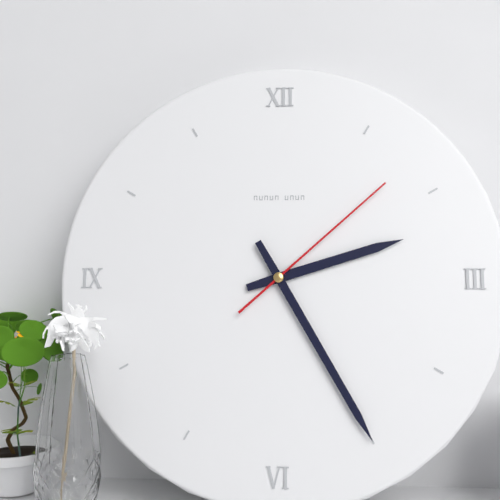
2h25m08s
